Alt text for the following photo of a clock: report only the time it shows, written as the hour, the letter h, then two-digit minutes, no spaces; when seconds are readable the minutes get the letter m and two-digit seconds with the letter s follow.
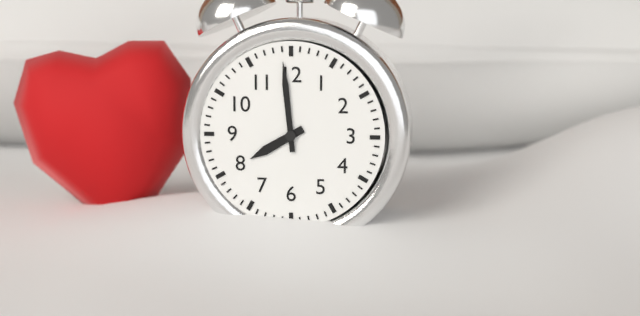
7h59
